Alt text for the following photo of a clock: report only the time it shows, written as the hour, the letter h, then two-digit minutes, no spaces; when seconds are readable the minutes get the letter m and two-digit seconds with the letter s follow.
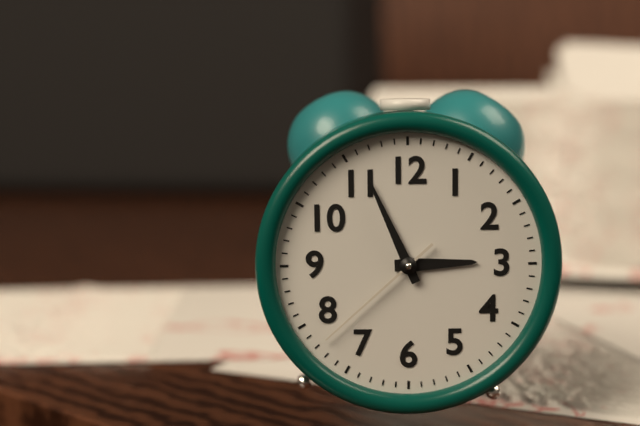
2h56m38s
